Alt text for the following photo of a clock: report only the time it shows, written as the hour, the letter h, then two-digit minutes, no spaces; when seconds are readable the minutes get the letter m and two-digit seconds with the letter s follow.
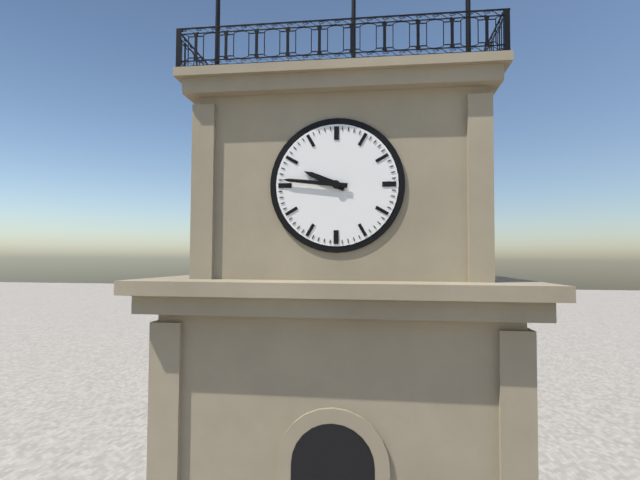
9h46
